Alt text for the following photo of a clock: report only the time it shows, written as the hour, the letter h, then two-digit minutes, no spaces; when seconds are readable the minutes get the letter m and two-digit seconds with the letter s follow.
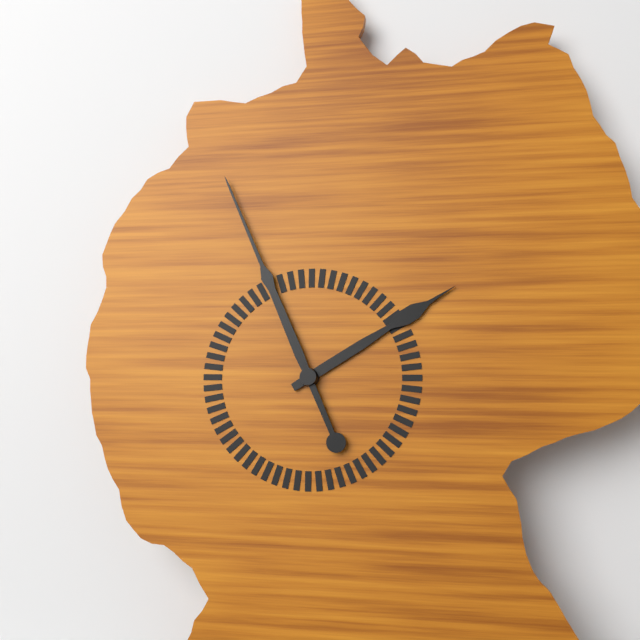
1h56
